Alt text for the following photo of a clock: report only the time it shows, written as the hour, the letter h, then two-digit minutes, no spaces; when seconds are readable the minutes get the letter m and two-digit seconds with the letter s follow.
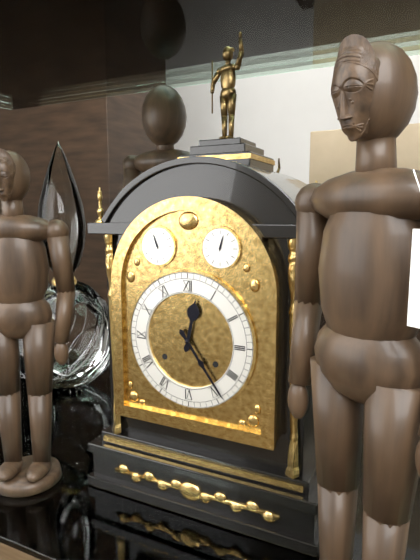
12h24
